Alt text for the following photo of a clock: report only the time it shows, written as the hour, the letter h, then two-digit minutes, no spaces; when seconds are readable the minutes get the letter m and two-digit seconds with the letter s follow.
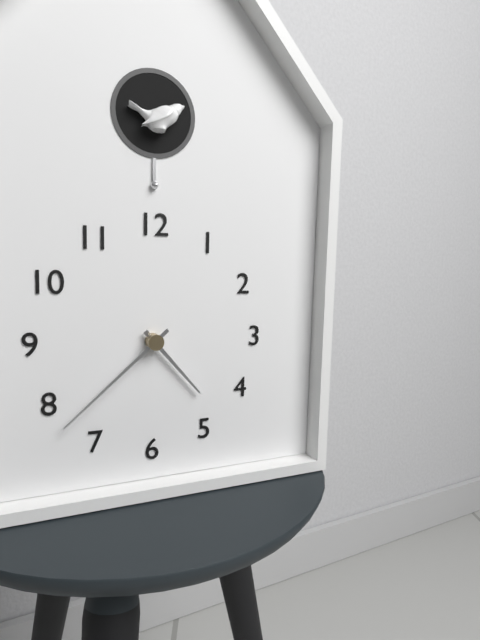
4h38
